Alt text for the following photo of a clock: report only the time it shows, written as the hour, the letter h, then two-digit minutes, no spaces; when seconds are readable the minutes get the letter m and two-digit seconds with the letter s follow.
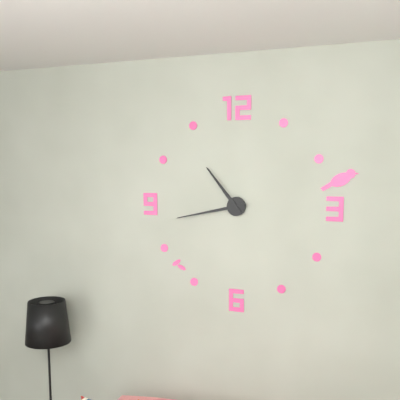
10h43
